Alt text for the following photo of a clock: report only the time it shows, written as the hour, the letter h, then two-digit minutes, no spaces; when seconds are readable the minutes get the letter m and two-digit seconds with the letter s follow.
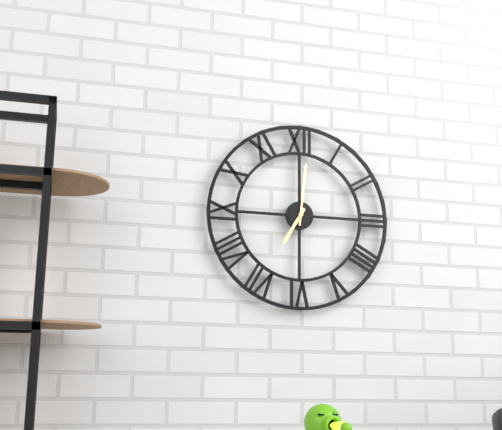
7h01
